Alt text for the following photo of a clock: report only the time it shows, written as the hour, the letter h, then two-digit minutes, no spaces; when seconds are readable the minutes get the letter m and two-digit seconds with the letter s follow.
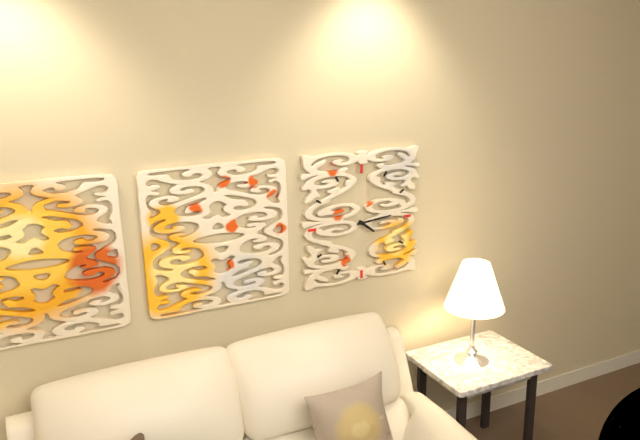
4h14
